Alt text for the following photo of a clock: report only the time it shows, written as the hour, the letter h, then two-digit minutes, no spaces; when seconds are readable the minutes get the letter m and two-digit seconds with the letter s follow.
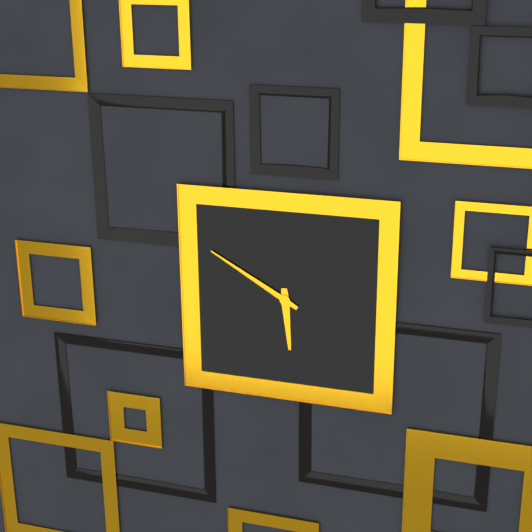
5h50
